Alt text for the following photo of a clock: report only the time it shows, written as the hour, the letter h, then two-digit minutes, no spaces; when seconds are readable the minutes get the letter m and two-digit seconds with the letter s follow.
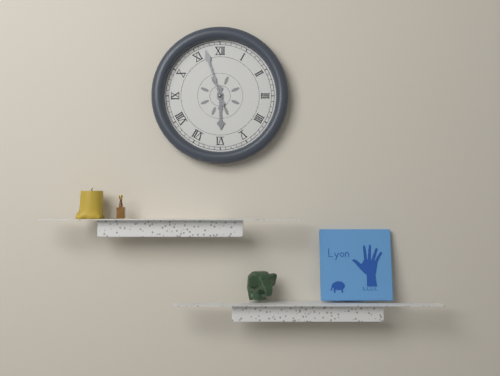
5h57
